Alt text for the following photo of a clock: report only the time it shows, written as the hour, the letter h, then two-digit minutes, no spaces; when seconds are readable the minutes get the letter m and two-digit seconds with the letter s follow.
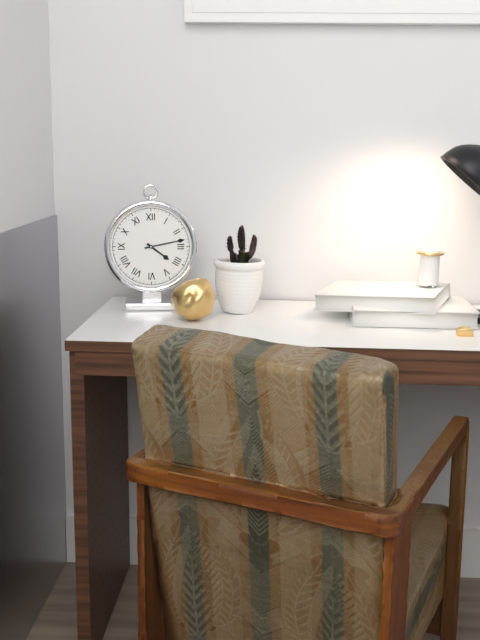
4h13
